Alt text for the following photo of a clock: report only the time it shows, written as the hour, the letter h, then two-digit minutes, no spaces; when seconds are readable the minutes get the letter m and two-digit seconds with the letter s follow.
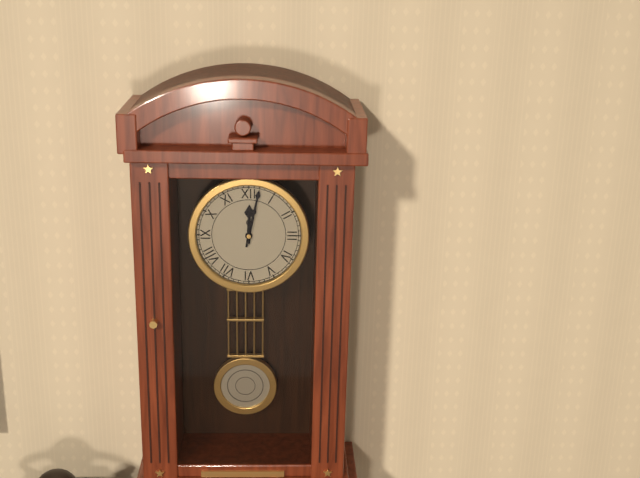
12h02
